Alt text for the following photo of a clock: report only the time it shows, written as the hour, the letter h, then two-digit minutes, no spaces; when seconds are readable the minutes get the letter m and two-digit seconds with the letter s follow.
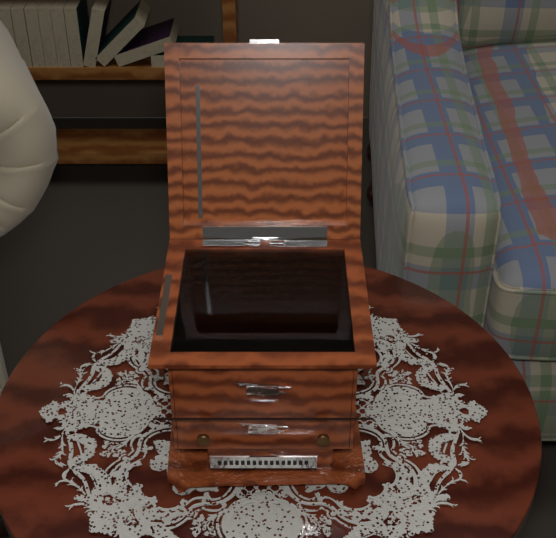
7h16
